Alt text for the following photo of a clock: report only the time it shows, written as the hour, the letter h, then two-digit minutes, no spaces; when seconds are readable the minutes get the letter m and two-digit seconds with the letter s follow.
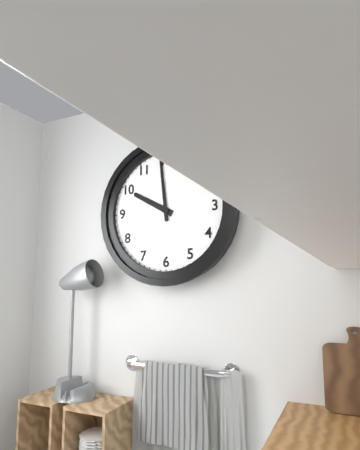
9h59
